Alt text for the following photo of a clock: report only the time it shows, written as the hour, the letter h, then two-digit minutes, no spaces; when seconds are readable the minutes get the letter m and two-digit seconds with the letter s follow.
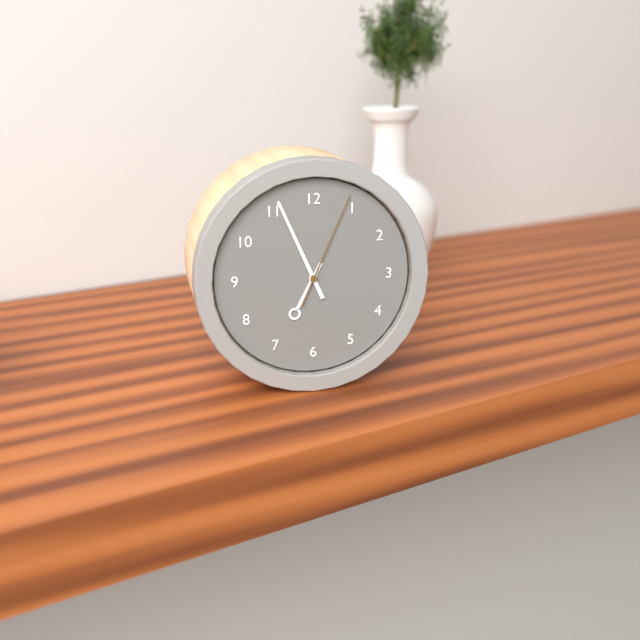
6h56m04s
